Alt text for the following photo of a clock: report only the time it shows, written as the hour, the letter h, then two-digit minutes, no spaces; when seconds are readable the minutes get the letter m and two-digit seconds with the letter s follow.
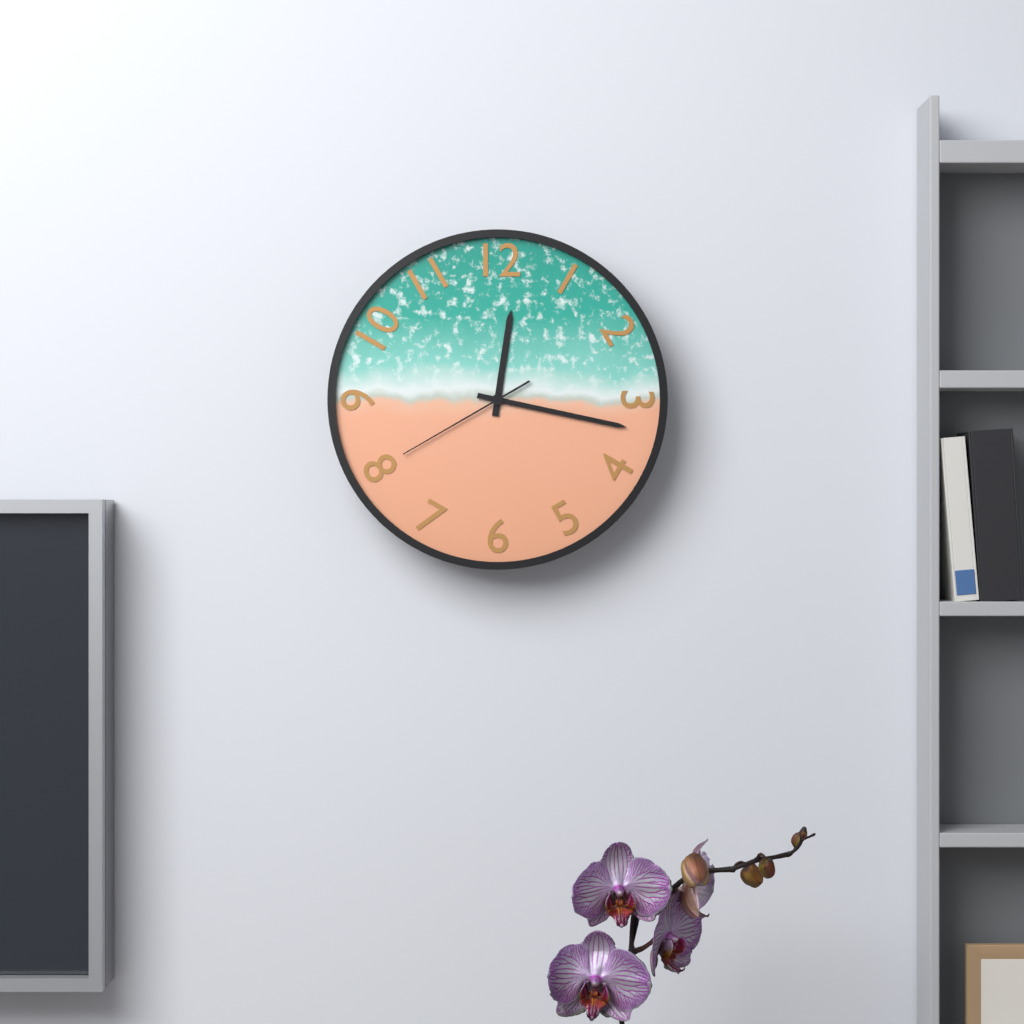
12h17m40s
